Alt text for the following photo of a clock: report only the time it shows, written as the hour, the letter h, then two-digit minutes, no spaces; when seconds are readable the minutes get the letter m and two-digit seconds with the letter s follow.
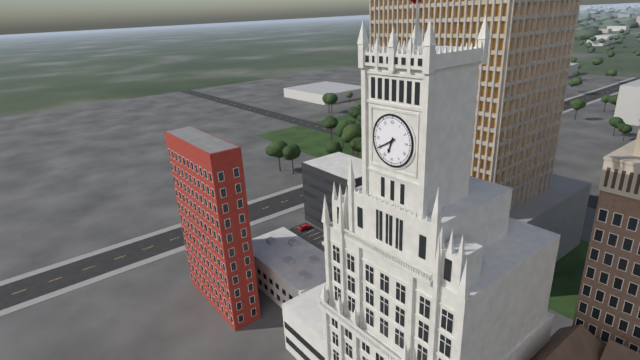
6h40
